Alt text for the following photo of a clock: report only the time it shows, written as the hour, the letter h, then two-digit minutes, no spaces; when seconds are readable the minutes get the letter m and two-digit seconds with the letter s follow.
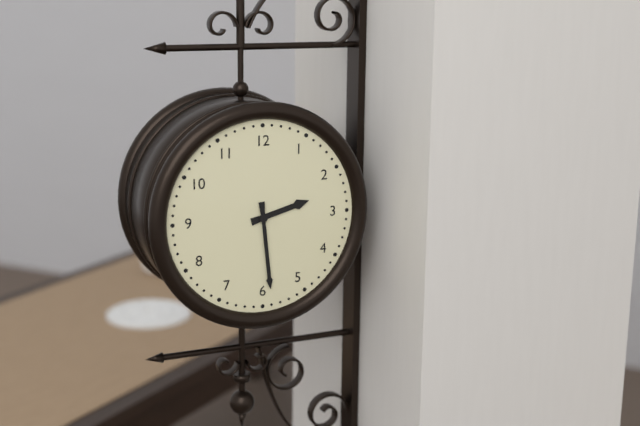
2h29
